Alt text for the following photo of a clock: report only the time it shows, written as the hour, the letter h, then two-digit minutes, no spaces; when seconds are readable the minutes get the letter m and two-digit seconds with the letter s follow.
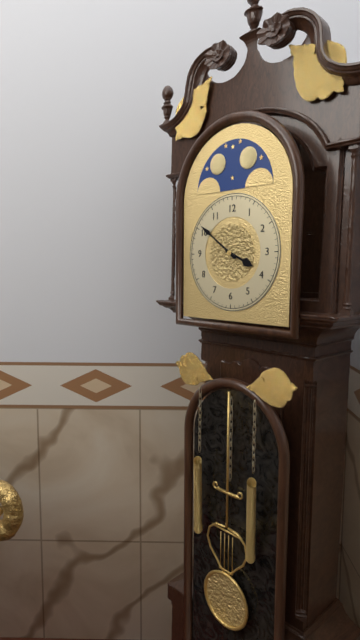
3h51
